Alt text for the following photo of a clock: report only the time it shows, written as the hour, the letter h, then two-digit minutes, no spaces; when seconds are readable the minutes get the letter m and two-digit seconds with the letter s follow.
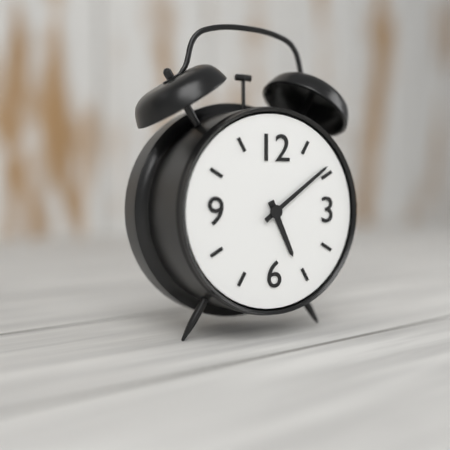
5h09
